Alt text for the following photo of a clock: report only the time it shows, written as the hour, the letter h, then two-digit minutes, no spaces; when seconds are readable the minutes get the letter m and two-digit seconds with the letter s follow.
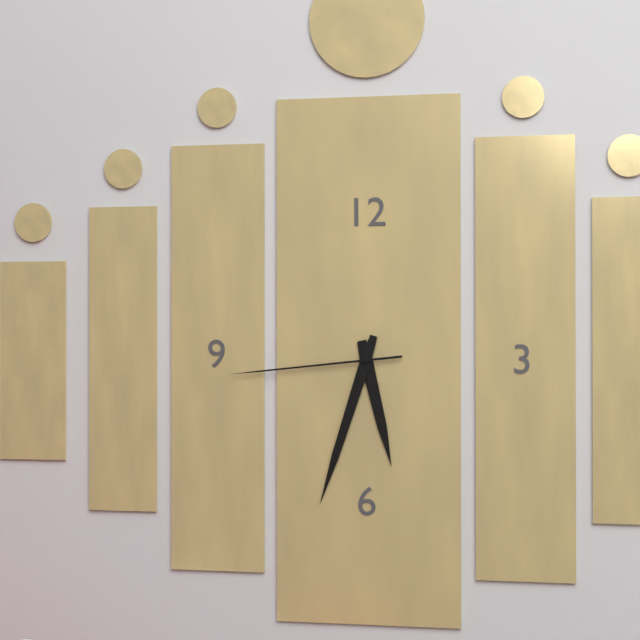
5h33m44s
